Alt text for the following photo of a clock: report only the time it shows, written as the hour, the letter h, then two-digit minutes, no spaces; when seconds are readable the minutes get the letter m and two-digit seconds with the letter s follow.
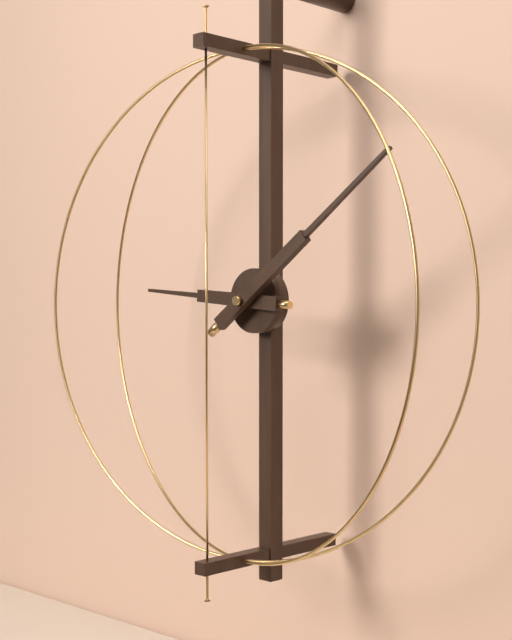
9h09
